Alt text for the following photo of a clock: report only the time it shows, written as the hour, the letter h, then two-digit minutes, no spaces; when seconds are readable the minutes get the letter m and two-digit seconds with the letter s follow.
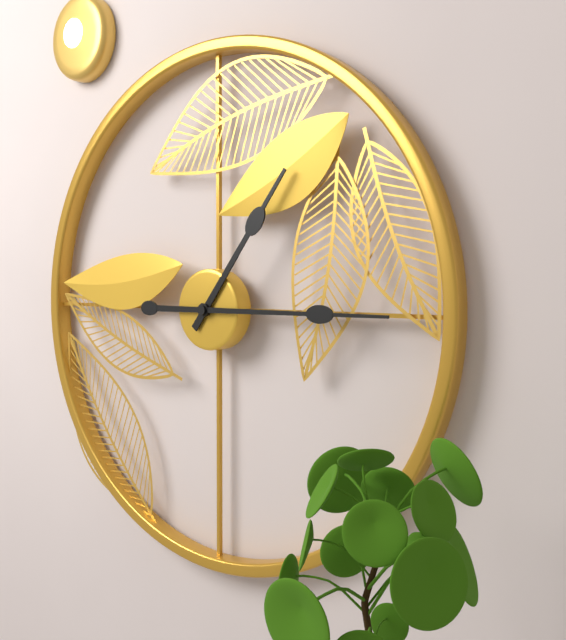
1h15
